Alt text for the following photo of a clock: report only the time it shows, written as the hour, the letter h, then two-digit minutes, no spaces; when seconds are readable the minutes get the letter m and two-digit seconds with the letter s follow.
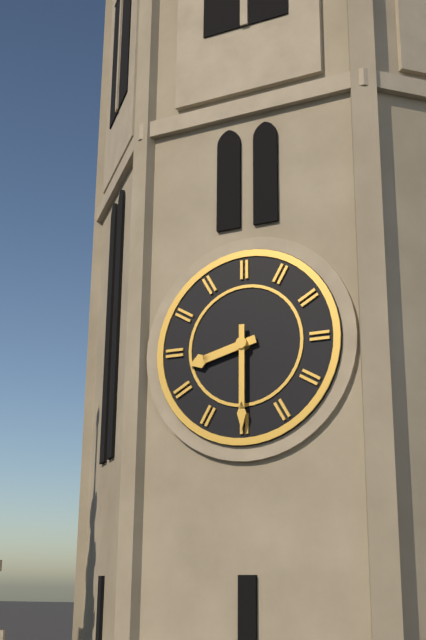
8h30
